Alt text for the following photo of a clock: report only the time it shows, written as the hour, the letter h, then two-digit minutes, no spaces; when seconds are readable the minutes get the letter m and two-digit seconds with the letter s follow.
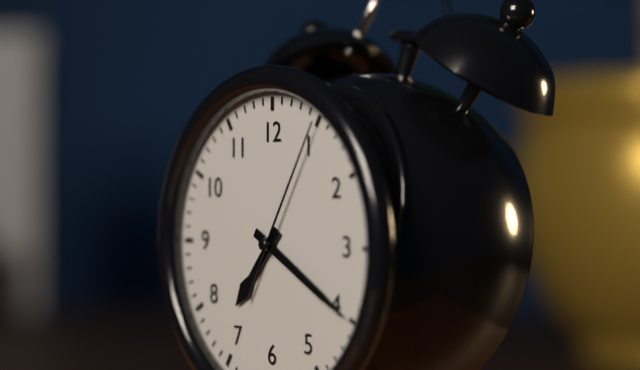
7h20m05s
